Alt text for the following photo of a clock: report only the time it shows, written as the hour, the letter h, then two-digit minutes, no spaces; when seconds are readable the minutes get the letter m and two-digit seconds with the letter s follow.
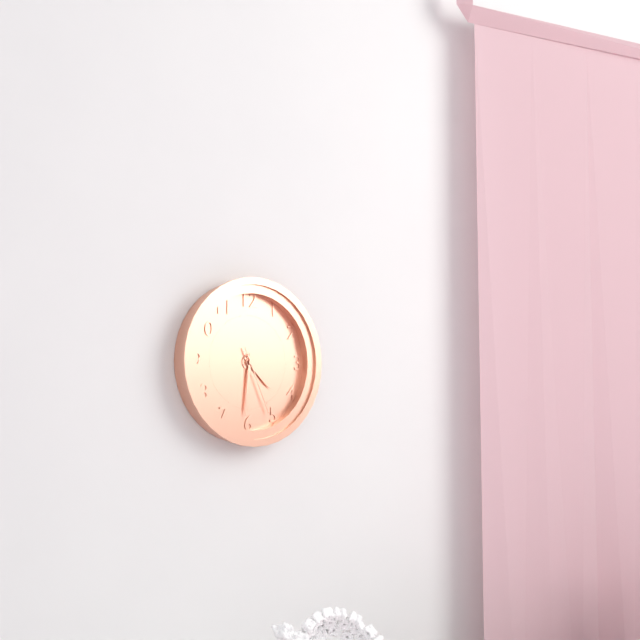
4h31m26s
